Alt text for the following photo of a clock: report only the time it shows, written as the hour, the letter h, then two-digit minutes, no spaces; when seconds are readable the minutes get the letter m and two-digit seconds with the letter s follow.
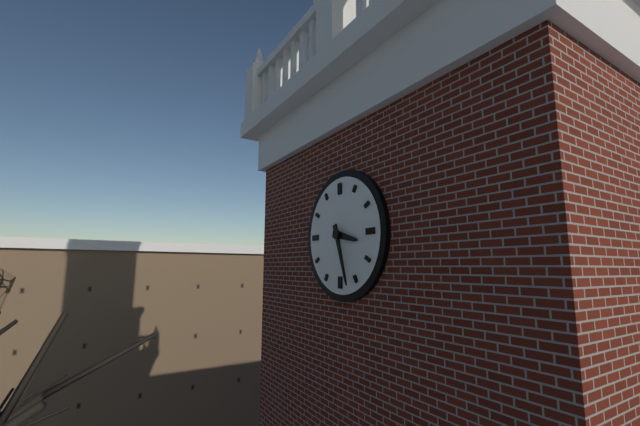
3h27
